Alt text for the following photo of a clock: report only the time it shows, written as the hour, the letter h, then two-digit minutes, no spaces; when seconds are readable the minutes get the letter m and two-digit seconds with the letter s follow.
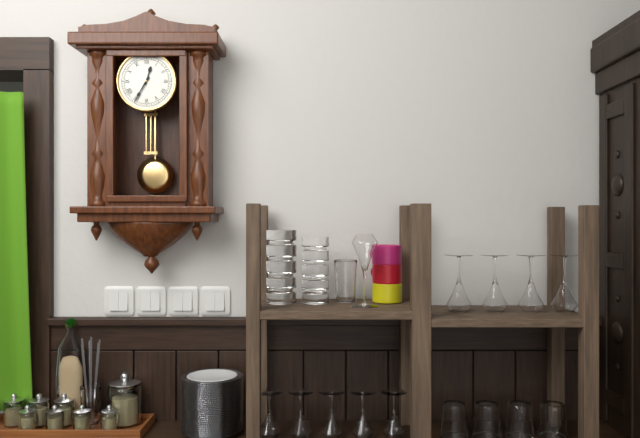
12h35
